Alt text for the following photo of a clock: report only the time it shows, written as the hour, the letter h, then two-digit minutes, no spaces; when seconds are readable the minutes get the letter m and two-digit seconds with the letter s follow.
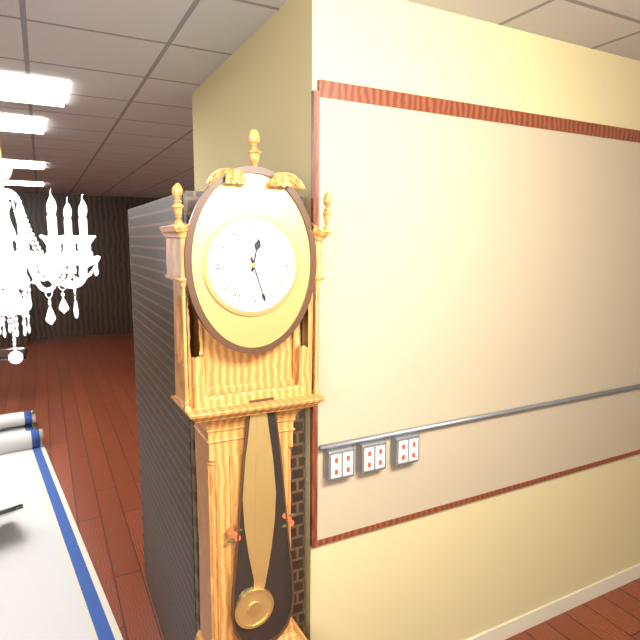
12h27
